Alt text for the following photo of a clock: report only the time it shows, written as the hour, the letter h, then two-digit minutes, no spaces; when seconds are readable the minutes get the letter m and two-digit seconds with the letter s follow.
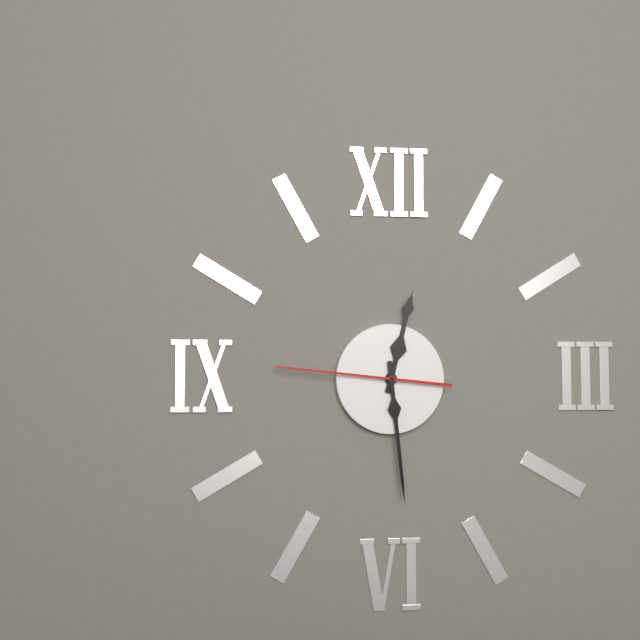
12h29m46s
